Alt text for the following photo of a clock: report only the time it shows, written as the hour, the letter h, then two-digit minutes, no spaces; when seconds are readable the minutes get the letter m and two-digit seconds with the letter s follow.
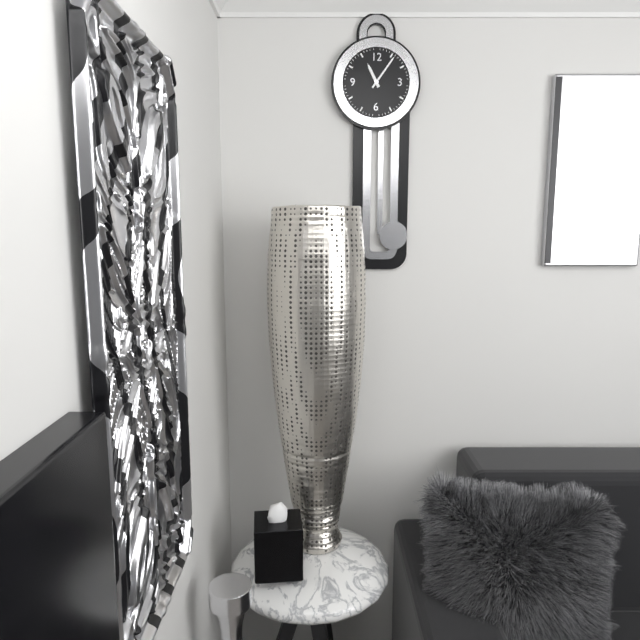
11h06
